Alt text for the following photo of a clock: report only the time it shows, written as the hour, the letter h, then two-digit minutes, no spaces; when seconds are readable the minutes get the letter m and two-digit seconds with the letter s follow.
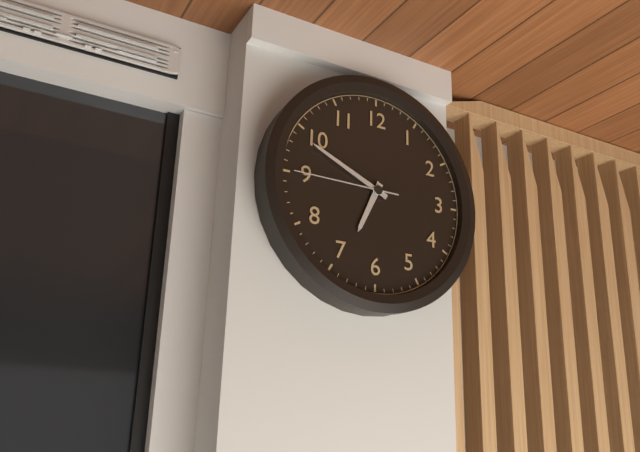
6h49m45s
